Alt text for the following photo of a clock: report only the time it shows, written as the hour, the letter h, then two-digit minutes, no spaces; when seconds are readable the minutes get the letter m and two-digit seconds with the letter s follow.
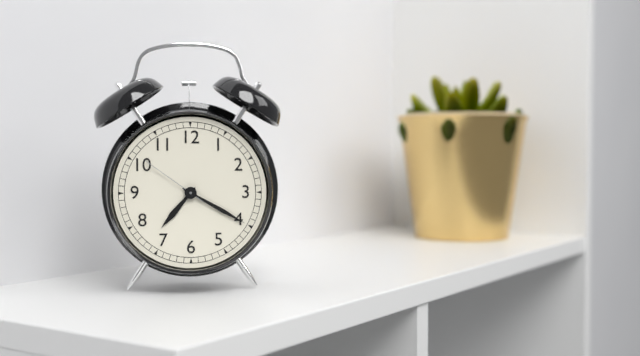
7h20m51s
